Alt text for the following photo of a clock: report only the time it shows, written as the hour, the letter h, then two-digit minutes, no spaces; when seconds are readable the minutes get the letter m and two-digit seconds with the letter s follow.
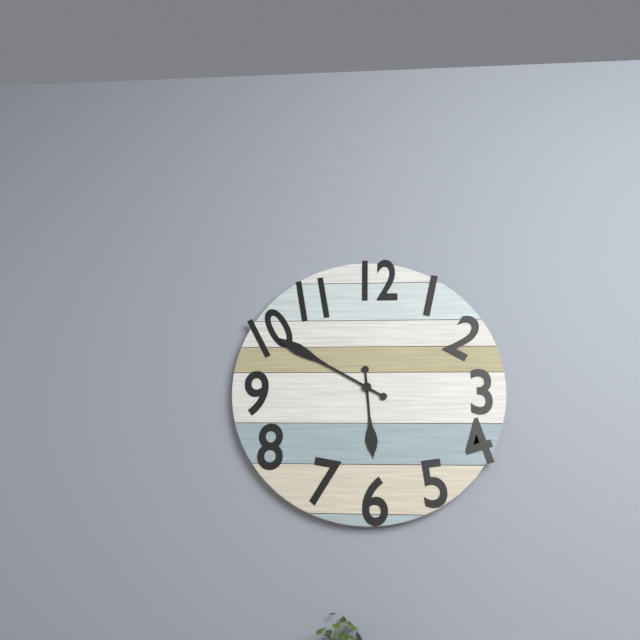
5h50
